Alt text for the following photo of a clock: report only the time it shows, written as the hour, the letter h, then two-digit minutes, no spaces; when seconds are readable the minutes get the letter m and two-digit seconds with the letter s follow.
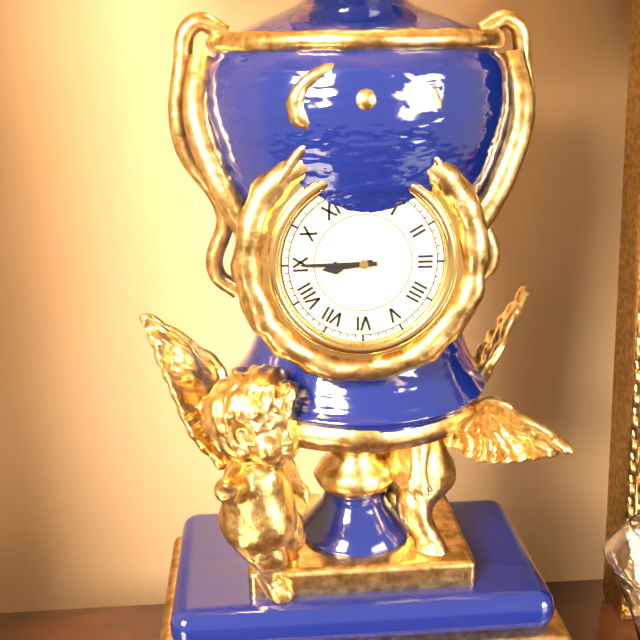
8h45
